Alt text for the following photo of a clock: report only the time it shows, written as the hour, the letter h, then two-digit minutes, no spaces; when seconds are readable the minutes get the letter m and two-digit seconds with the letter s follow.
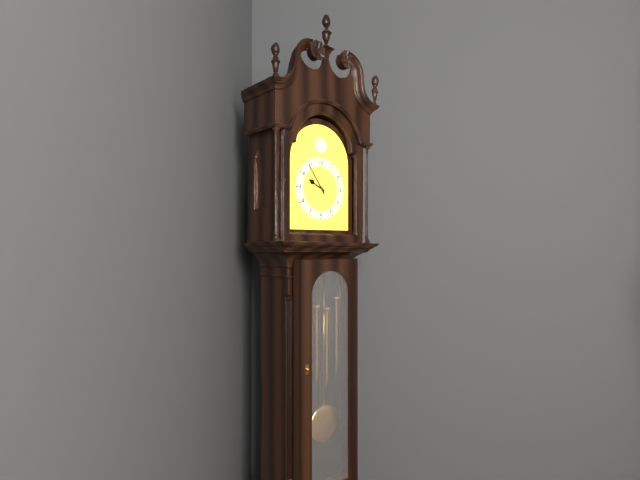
9h54
